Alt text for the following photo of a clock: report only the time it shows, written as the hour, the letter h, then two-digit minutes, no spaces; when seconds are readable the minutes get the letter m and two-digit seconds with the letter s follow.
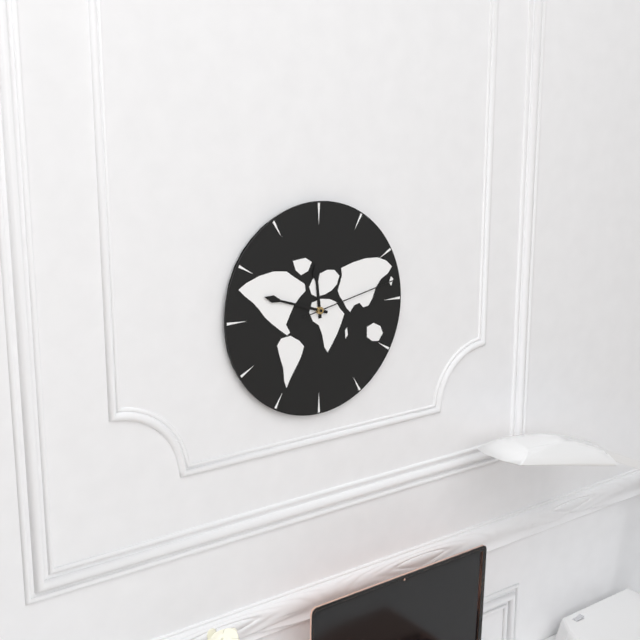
11h48m13s
